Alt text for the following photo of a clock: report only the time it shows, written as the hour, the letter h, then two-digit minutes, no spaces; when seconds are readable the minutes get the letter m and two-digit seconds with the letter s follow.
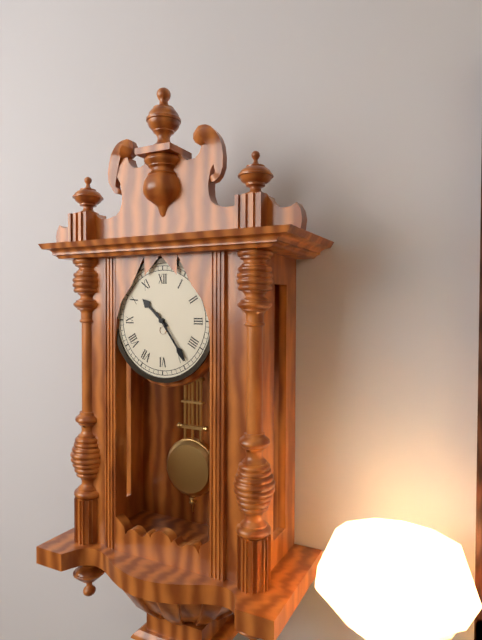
10h24
